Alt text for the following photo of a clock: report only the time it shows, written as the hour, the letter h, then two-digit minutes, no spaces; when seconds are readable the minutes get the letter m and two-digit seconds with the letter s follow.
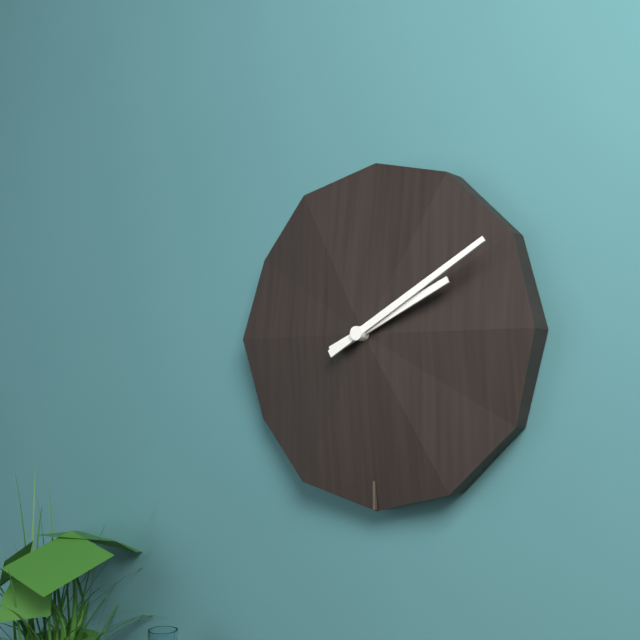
2h10
